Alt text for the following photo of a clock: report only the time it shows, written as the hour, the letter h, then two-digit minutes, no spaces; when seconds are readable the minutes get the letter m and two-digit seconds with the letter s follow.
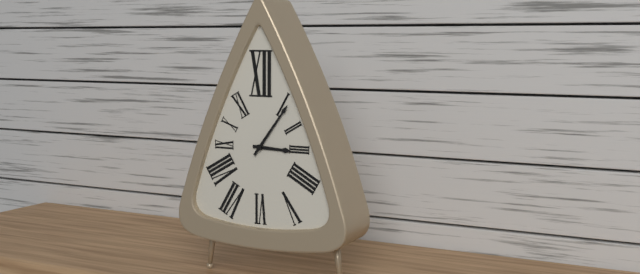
3h06
